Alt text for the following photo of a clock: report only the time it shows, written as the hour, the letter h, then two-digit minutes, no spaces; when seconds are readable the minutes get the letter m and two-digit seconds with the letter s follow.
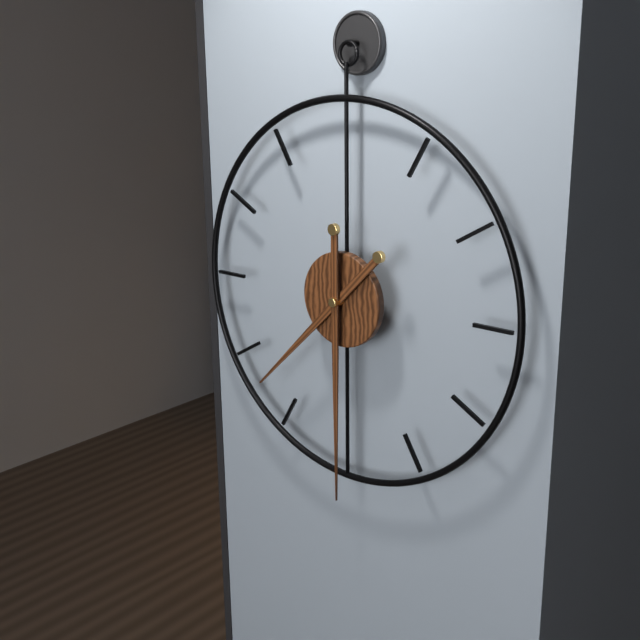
7h30
